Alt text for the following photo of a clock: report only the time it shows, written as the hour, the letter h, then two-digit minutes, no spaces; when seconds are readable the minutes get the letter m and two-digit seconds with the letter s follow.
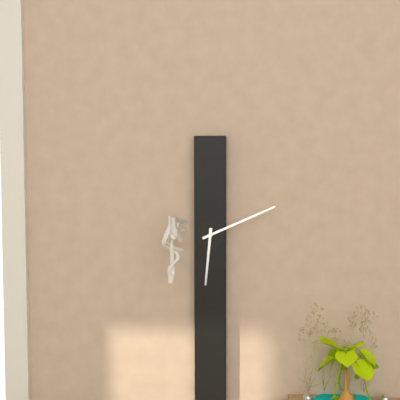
6h11
